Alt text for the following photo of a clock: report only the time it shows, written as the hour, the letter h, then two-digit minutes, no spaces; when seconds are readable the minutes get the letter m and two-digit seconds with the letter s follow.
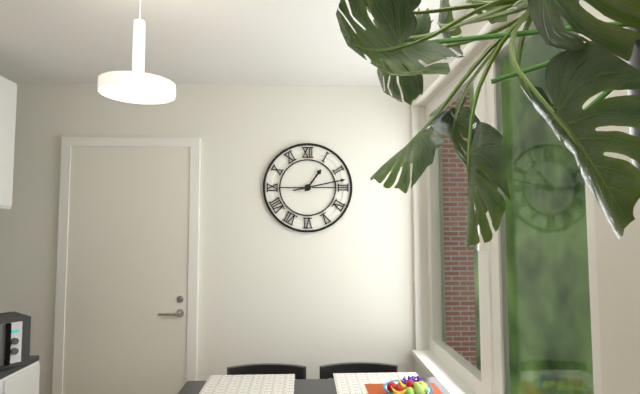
1h13
